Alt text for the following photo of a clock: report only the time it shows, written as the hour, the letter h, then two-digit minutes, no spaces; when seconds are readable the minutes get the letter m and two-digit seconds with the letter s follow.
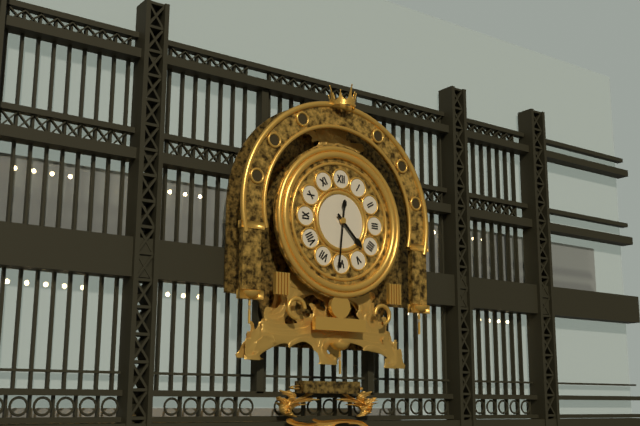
4h31
